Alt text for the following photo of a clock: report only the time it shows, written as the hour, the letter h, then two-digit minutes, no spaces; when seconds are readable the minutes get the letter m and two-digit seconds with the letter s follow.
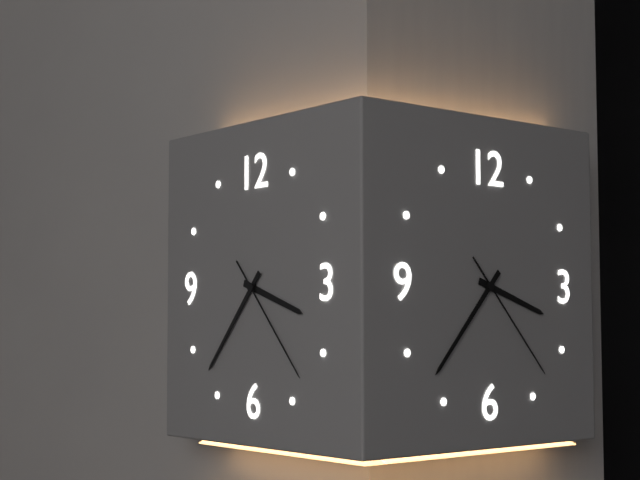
3h37m23s
